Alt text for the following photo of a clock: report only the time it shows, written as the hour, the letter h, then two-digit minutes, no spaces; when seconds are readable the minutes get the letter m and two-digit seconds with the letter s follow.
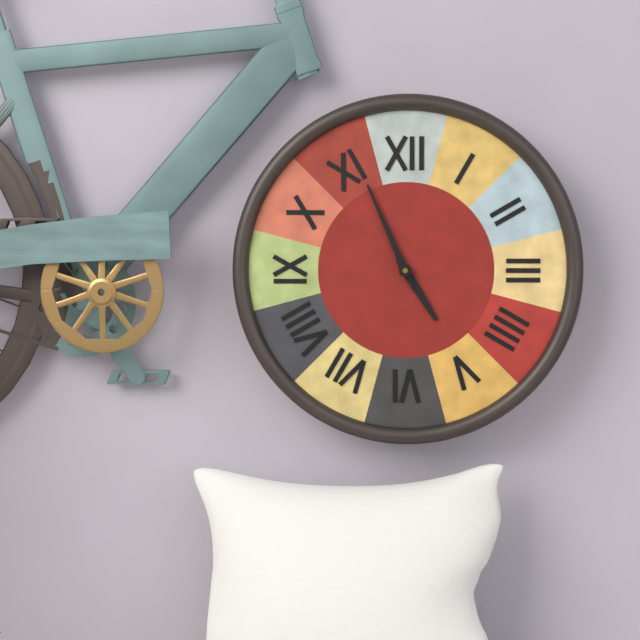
4h56
